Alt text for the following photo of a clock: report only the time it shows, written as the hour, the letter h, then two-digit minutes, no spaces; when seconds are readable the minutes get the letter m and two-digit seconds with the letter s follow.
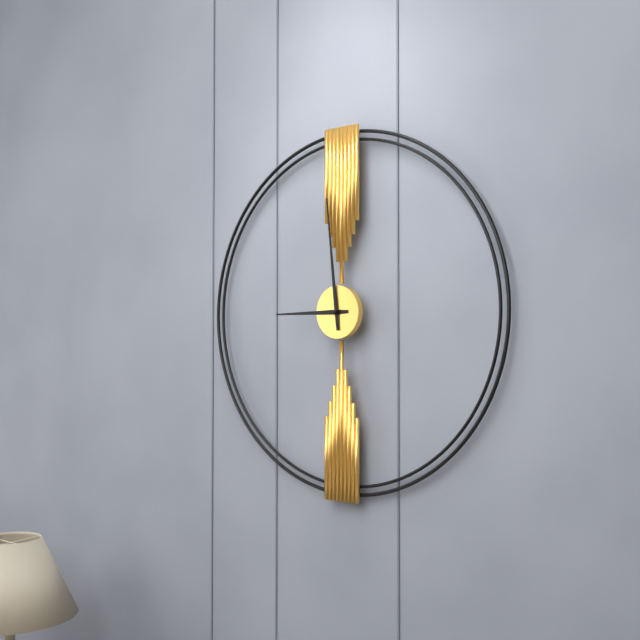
8h59
